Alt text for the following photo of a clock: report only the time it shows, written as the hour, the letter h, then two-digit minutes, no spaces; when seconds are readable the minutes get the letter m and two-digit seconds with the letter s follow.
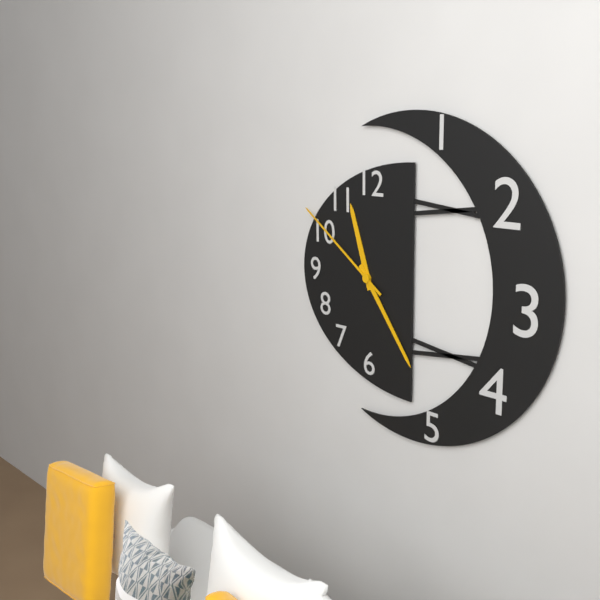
11h24m51s
